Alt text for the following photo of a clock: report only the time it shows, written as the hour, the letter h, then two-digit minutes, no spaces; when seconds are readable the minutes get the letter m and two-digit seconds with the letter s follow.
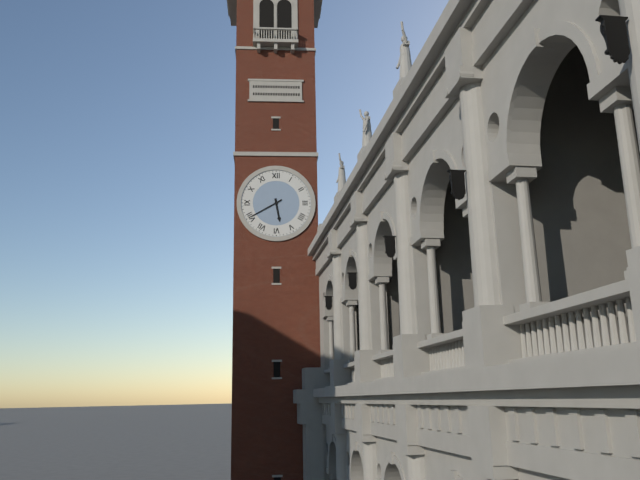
5h40
